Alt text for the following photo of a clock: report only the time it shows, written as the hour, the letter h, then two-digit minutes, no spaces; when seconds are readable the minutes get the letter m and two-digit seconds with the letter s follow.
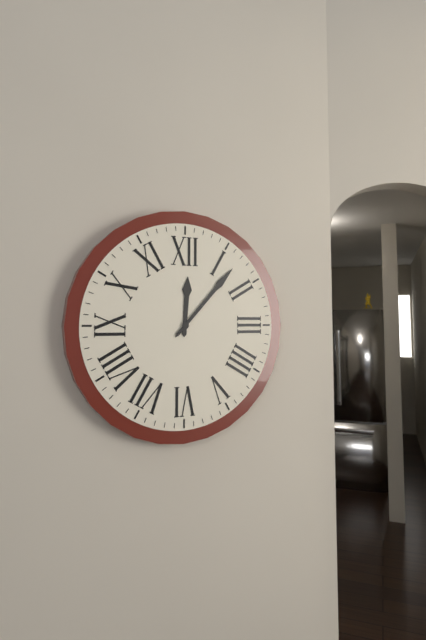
12h07
